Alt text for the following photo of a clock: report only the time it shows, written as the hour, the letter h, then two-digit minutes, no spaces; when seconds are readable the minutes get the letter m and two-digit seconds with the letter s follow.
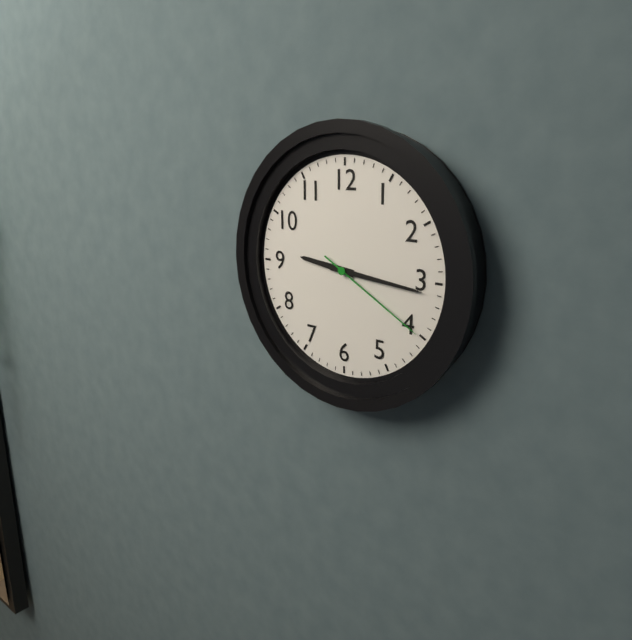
9h16m20s
